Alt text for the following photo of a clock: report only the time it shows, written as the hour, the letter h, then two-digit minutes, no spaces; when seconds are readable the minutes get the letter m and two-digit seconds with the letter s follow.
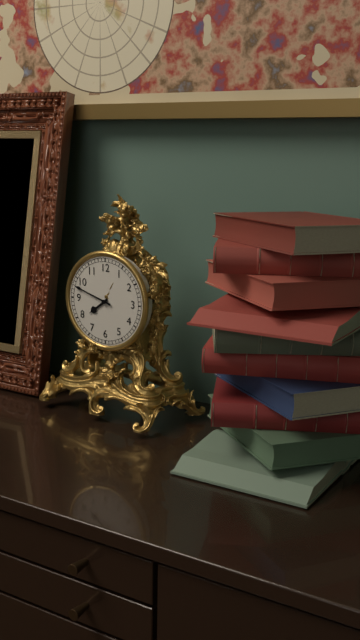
7h48
